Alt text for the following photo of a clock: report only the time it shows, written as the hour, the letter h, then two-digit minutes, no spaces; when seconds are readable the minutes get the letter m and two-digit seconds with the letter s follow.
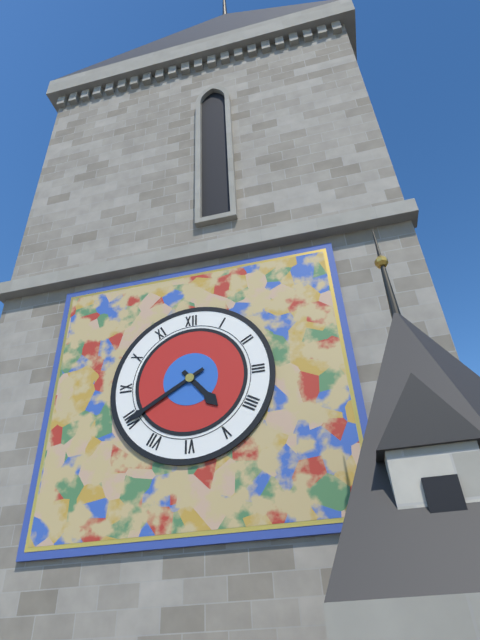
4h40
